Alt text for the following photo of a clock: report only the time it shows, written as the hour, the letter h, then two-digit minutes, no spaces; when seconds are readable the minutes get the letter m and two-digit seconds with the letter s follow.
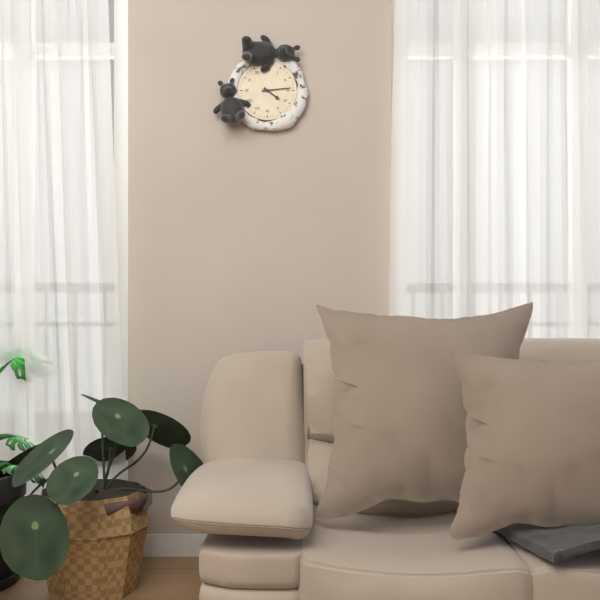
4h14
